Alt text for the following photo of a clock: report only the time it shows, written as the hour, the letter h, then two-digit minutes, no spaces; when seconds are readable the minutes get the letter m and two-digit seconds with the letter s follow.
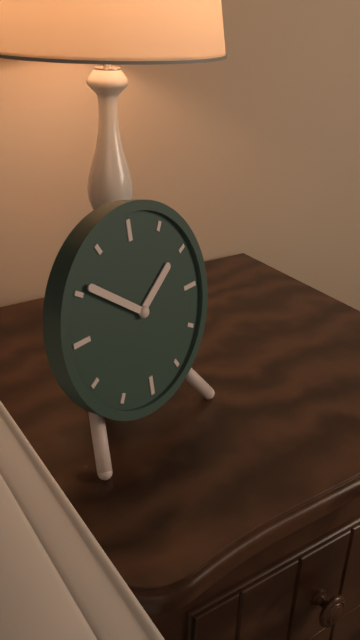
1h51
